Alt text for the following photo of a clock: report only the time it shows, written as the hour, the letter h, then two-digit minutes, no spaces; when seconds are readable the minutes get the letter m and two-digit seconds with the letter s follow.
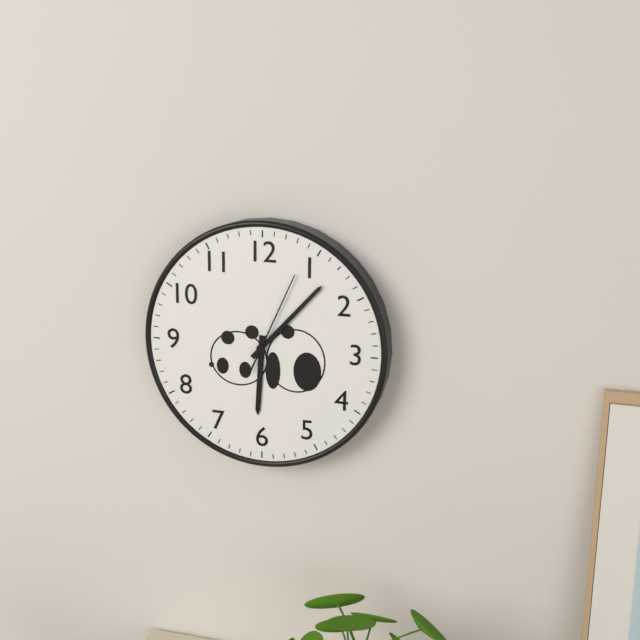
6h07m04s
